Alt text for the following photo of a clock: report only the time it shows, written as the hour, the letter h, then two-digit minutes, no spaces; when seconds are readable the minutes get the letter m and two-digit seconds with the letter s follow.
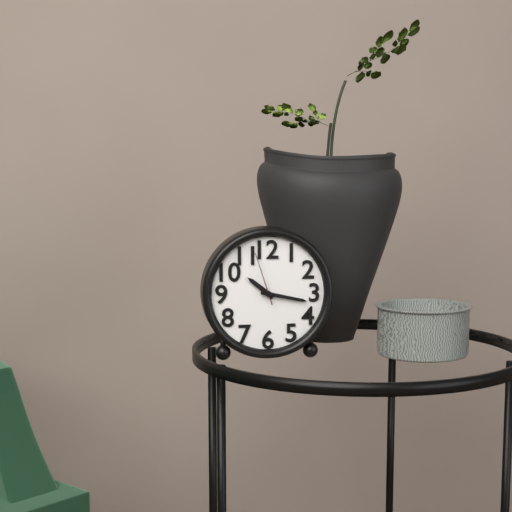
10h17m57s
